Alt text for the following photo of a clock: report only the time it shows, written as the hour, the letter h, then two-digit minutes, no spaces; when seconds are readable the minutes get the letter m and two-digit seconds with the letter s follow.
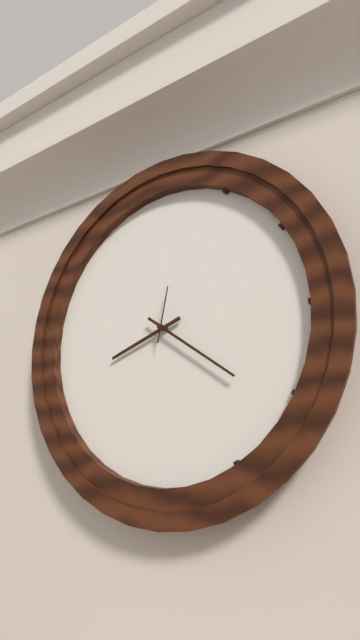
8h21m02s
